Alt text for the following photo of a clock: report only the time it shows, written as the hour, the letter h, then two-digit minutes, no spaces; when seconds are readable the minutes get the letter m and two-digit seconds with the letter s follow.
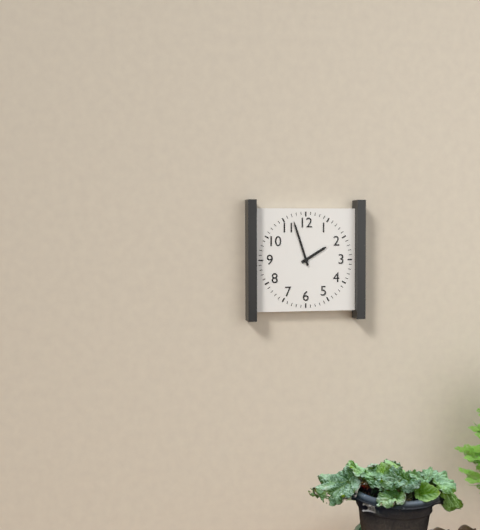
1h57
